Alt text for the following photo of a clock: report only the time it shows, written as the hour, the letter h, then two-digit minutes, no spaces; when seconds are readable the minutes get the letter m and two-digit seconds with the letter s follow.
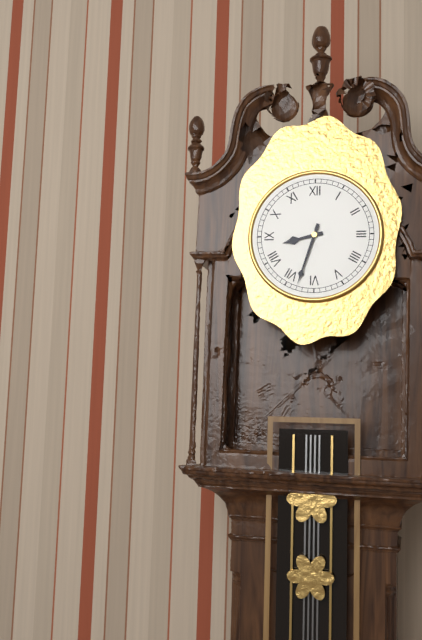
8h33
